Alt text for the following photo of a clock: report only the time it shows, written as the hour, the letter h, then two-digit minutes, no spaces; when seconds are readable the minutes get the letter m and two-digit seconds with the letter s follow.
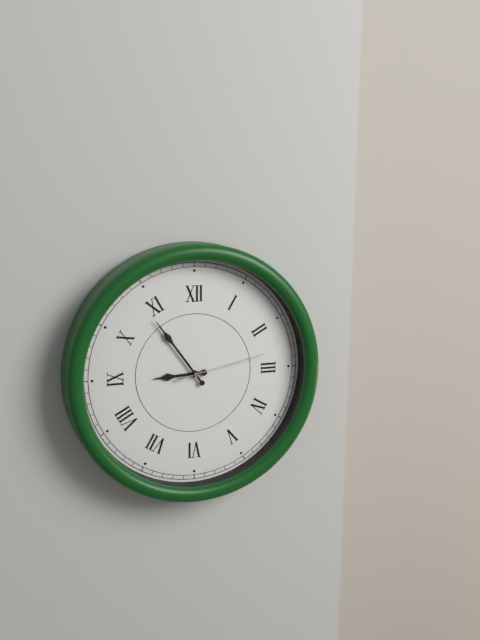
8h54m13s
